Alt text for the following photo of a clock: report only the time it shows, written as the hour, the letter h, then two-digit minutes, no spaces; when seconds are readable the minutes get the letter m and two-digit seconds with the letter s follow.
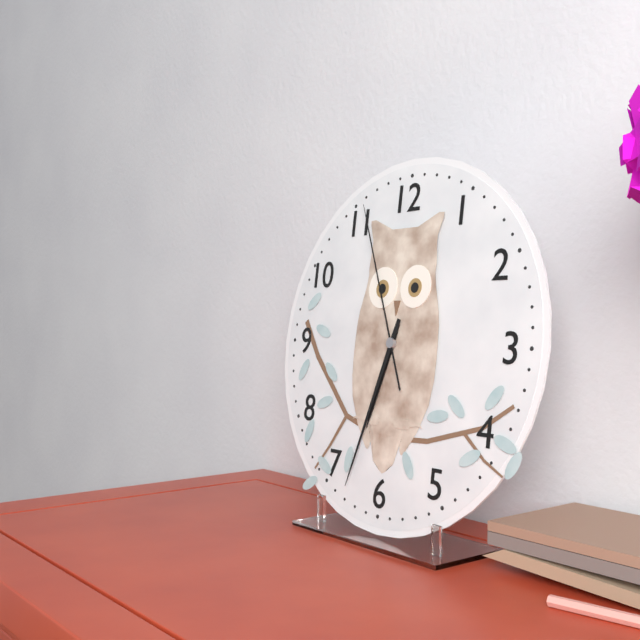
6h33m56s
